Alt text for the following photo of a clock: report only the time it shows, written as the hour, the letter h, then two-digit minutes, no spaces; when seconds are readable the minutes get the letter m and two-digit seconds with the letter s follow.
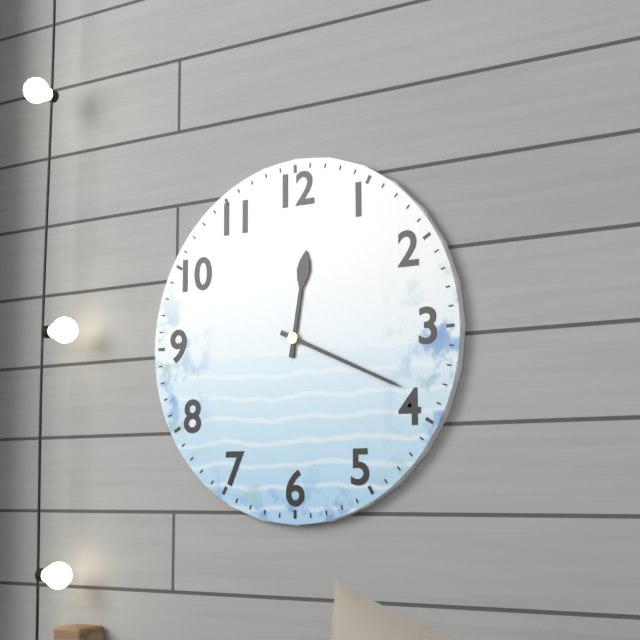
12h19
